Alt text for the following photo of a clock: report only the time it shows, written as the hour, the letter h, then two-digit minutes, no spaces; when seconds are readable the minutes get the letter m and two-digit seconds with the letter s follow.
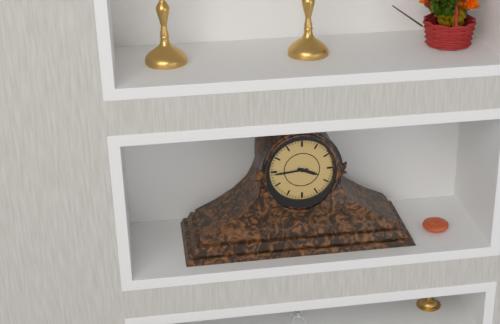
3h44
